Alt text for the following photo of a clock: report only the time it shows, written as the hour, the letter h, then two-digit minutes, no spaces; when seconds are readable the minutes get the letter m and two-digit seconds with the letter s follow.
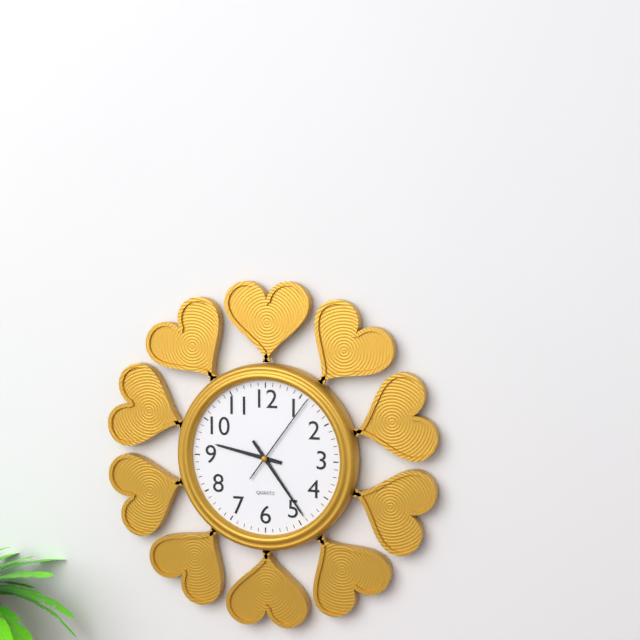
9h24m06s
